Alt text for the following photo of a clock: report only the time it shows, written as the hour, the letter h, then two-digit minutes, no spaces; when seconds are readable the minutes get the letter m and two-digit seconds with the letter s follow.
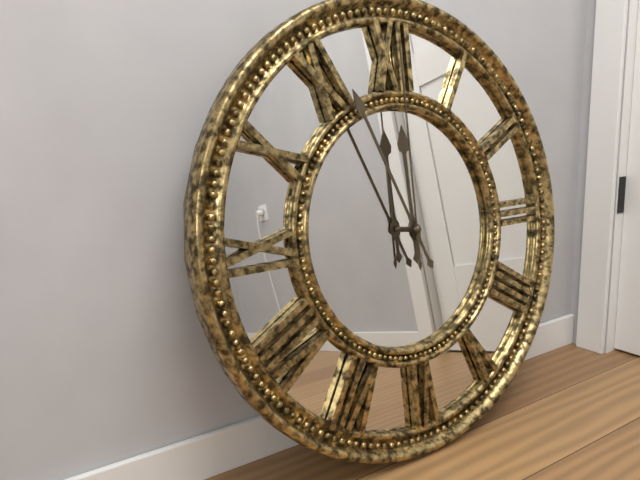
11h56m00s
